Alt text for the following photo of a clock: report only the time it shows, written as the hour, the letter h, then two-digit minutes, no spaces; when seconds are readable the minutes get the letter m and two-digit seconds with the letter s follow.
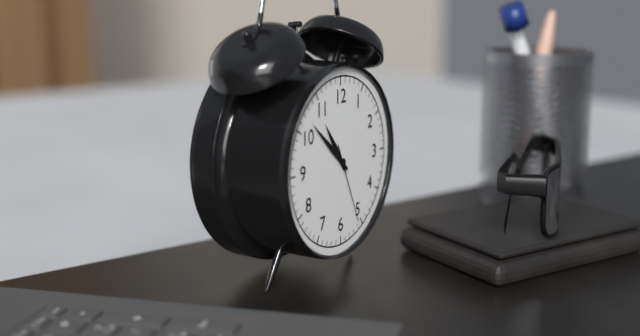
10h52m26s
